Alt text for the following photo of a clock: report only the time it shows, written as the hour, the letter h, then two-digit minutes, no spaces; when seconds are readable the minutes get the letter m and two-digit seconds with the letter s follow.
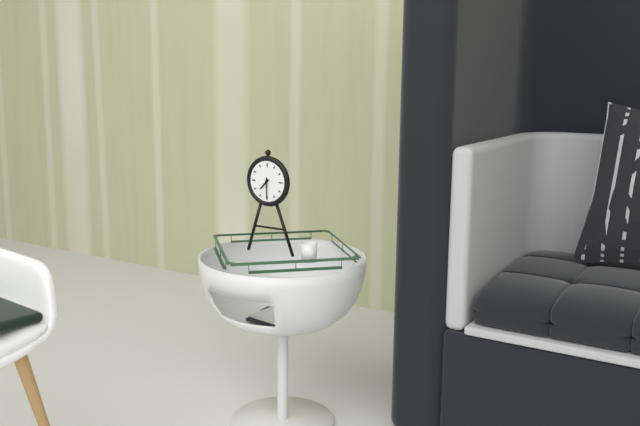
7h30
